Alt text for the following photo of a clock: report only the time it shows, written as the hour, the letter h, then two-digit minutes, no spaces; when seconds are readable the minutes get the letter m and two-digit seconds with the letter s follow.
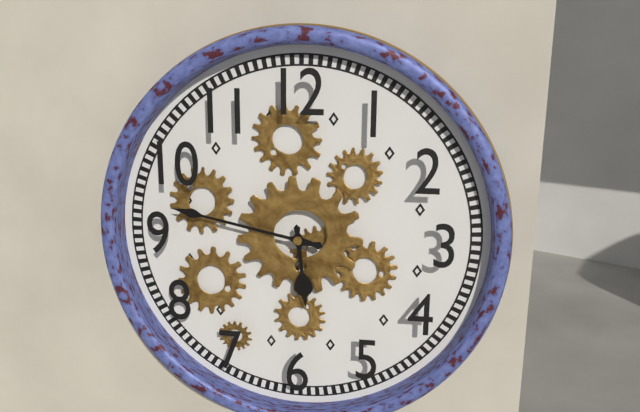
5h47
